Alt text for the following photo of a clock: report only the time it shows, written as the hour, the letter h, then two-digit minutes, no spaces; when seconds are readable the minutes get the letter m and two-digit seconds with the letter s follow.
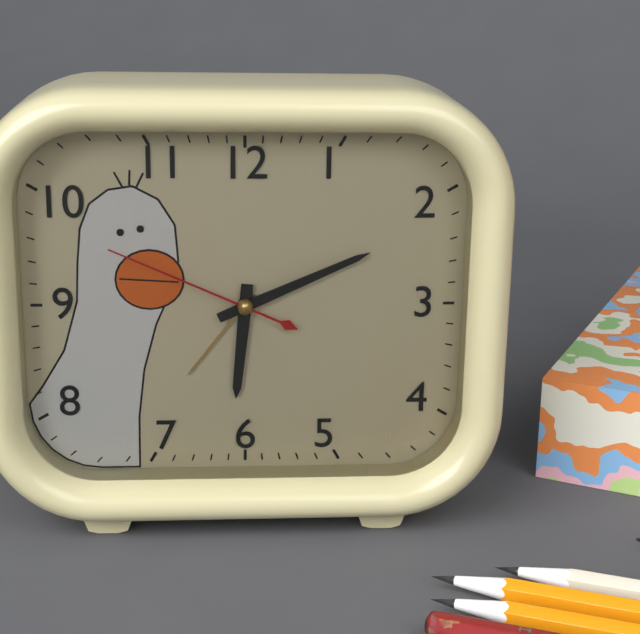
6h11m49s
